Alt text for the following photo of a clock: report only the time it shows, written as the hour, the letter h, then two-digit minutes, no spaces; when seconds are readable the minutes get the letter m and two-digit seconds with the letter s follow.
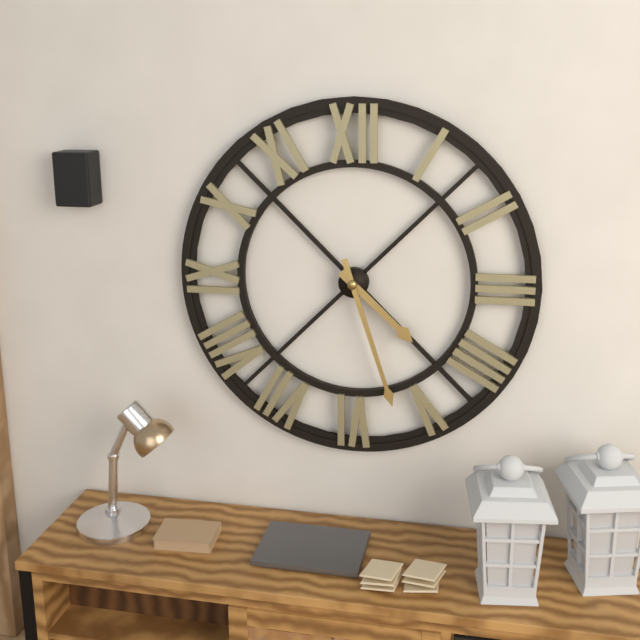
4h27
